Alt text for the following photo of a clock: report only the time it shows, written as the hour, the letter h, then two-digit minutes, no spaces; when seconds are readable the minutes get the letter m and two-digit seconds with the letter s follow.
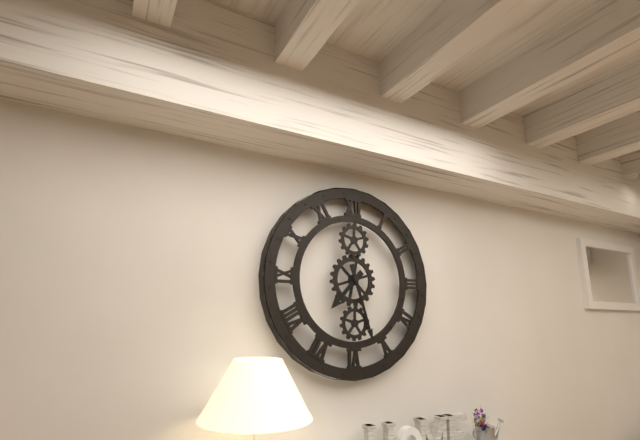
7h27
